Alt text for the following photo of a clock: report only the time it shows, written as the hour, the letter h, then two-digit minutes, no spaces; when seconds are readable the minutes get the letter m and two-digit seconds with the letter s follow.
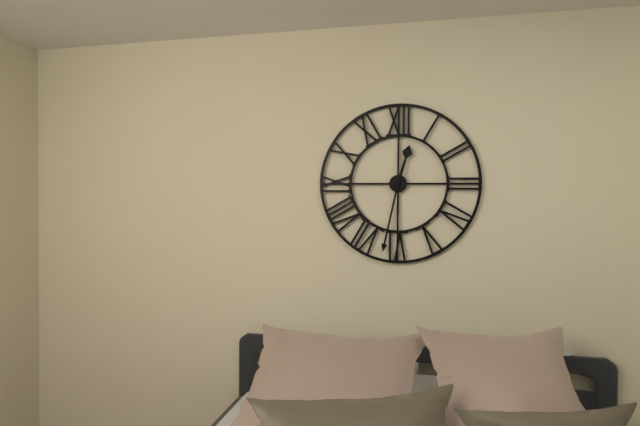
12h32
